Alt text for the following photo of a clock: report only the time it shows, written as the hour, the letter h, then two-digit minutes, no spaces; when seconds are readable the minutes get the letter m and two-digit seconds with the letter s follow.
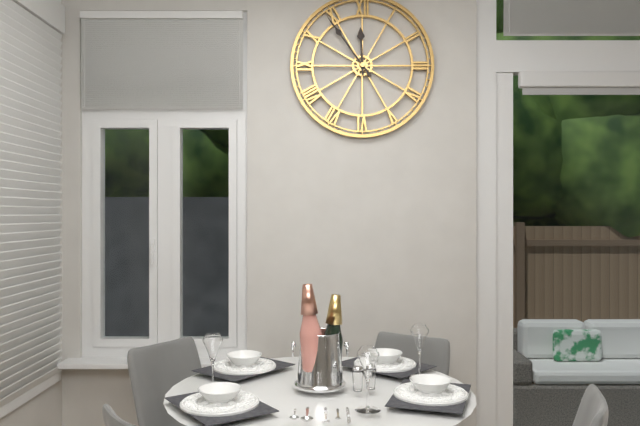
11h54
